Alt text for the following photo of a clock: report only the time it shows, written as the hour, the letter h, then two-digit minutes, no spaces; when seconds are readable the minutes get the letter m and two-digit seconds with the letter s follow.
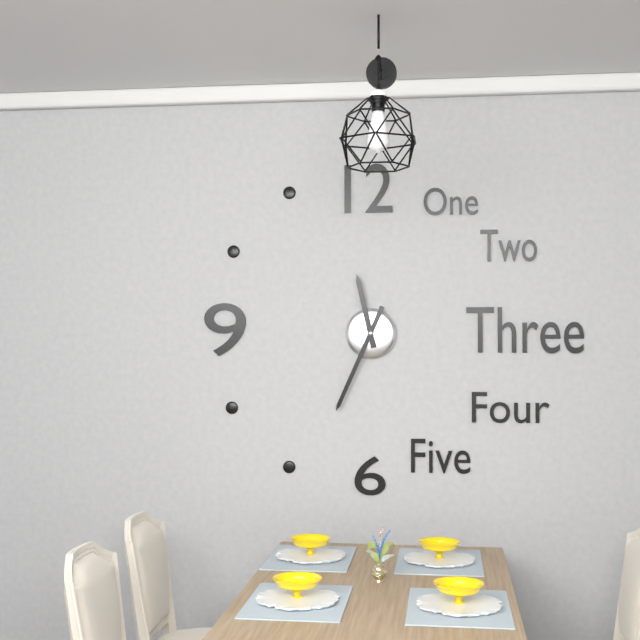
11h34
